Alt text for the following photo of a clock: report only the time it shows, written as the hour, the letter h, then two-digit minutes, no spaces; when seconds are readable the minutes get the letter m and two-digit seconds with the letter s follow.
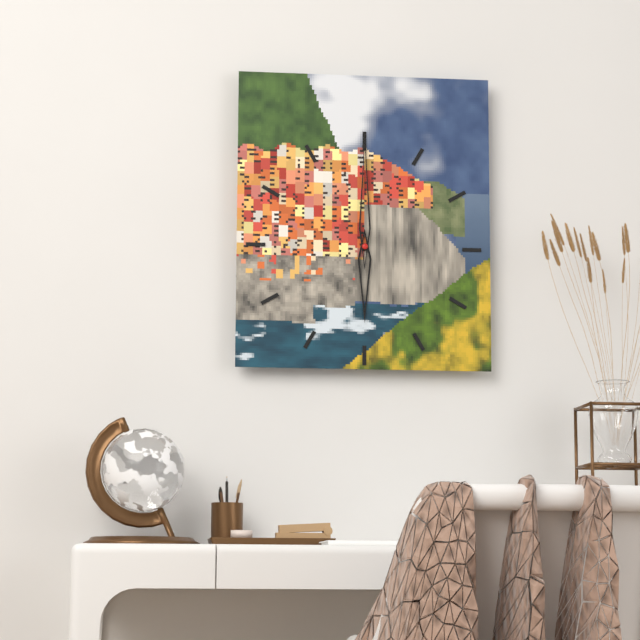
6h00
